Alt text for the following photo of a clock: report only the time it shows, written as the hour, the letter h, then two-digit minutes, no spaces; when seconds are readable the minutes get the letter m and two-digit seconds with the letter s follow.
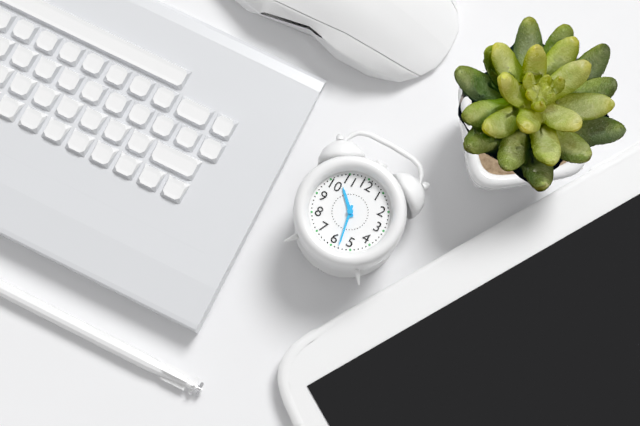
10h28
